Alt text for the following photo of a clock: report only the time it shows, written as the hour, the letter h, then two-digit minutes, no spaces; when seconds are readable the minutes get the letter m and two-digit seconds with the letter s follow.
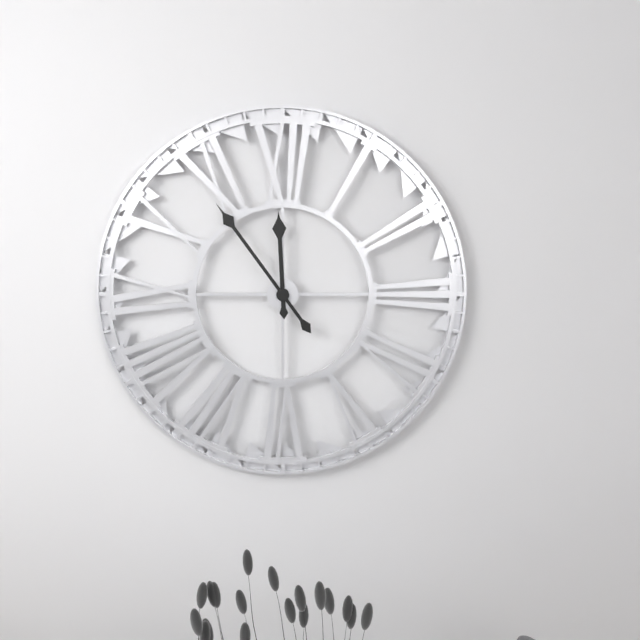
11h54
